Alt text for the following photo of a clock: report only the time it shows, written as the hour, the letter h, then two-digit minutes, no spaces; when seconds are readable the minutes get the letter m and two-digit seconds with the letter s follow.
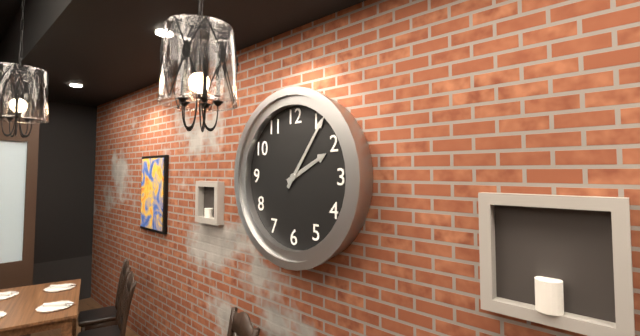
2h06
